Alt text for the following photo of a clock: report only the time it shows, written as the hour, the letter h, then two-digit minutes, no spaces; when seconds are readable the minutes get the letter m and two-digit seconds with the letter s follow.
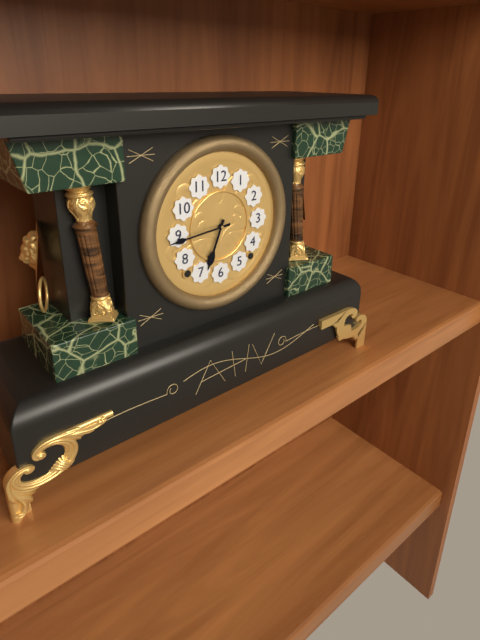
6h44
